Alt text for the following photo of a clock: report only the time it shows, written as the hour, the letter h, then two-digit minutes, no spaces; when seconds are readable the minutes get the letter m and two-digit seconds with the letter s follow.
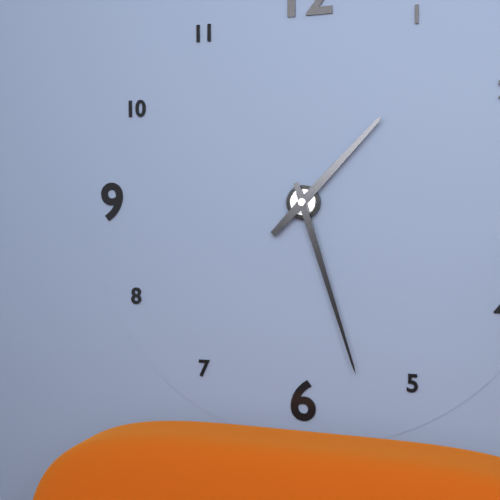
1h27
